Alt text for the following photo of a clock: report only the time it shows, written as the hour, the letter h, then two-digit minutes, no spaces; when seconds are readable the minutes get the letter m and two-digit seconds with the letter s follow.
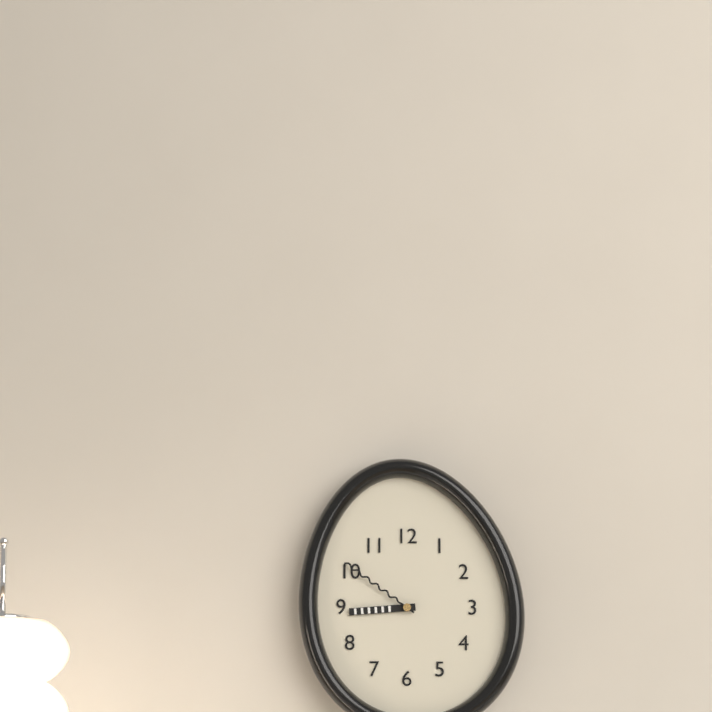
8h51
